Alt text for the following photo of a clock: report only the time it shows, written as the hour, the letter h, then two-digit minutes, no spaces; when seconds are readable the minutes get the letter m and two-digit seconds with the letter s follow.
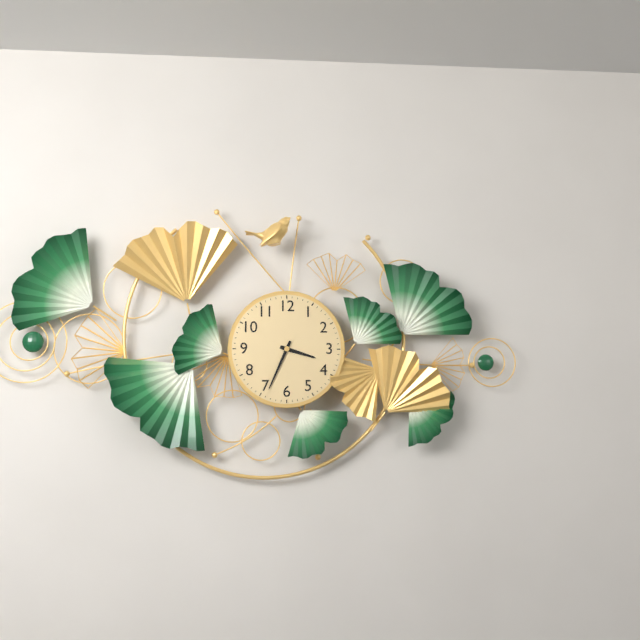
3h34
